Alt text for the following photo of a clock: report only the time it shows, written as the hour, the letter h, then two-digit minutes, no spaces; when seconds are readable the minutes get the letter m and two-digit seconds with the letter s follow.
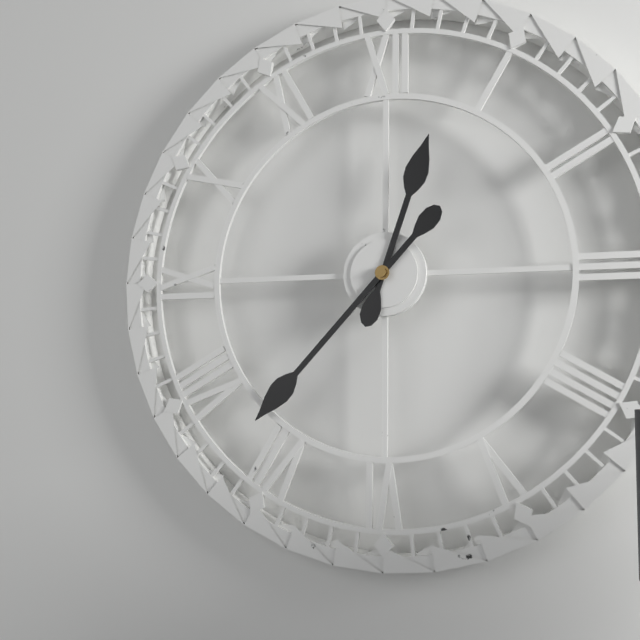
12h37
